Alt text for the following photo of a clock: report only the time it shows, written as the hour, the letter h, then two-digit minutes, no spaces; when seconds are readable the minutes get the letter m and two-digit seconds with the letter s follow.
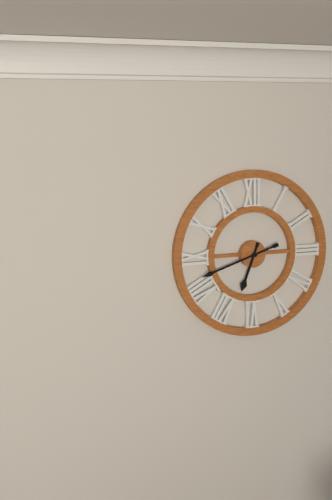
6h42
